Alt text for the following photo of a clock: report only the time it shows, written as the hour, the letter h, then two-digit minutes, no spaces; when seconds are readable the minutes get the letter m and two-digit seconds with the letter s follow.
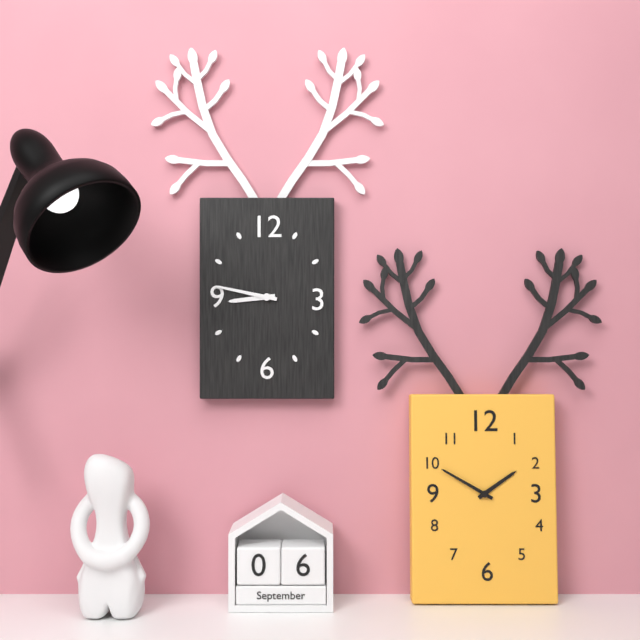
8h47
